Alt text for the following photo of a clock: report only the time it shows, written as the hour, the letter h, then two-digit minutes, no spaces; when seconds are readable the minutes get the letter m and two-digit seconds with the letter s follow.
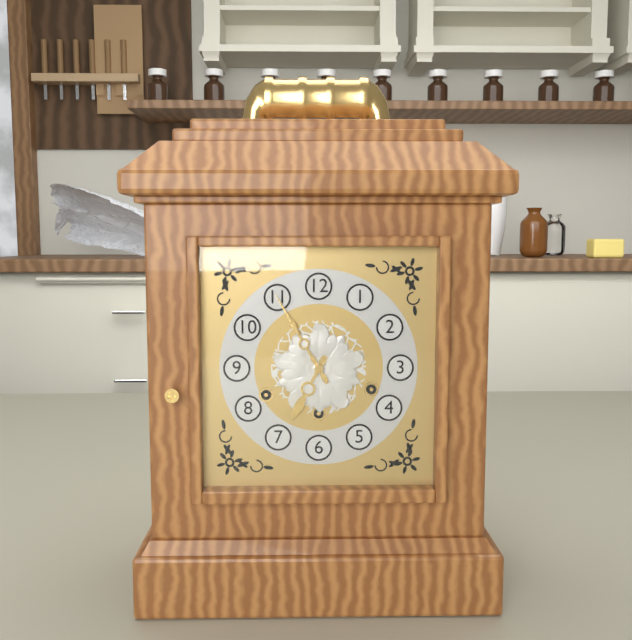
6h55
